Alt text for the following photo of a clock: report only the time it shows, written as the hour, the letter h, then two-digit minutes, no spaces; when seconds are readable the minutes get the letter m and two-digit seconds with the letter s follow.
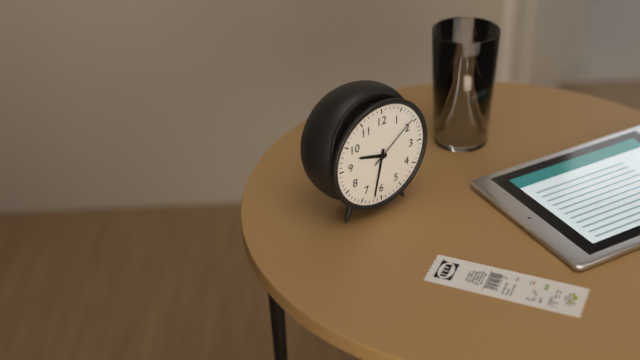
9h32m09s
